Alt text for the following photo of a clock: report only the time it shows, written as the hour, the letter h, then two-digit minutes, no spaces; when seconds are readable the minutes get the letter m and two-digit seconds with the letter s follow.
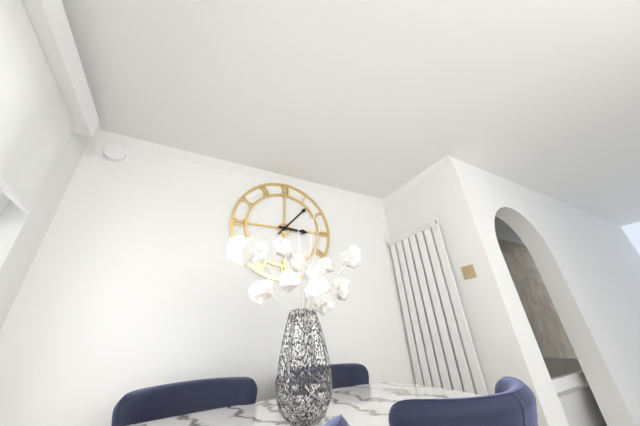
3h07
